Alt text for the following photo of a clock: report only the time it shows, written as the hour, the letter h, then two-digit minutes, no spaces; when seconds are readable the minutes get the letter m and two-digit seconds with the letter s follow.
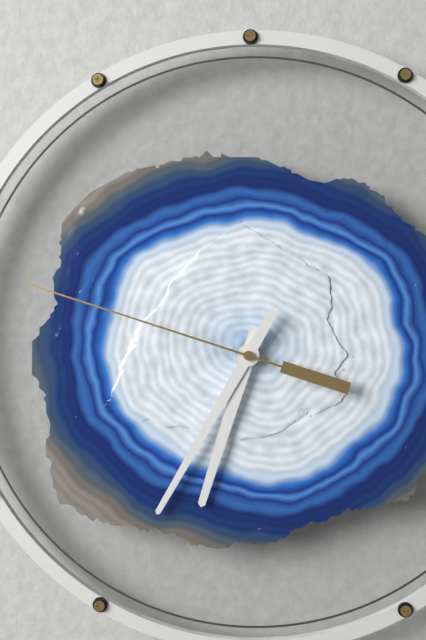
6h35m48s
